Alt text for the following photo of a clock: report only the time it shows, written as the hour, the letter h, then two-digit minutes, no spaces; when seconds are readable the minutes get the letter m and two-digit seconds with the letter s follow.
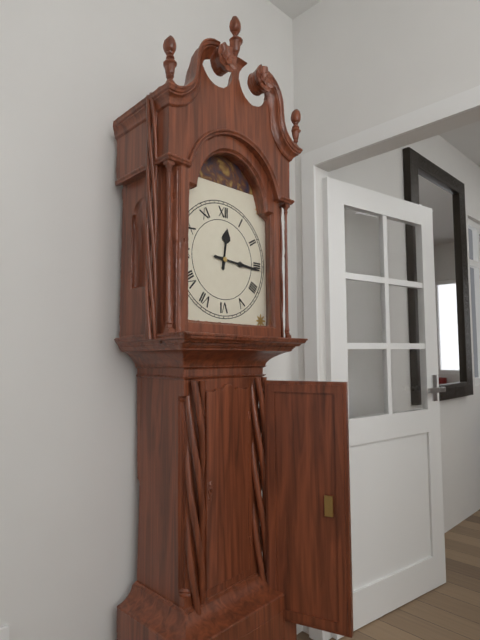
12h16
